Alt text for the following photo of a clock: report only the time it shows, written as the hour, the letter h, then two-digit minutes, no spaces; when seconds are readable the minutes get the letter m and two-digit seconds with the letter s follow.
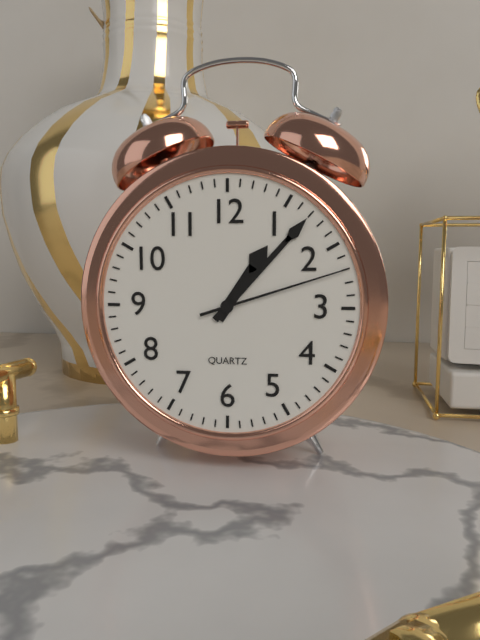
1h07m12s
